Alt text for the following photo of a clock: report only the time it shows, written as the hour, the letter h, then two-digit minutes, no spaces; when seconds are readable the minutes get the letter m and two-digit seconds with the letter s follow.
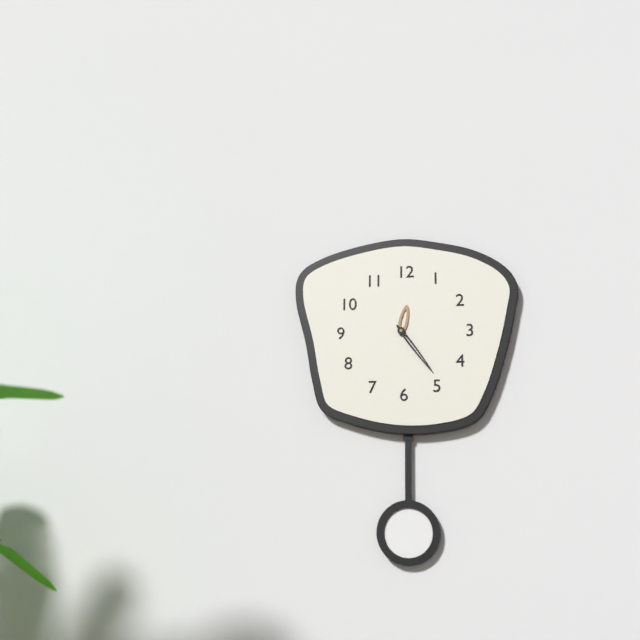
12h24
